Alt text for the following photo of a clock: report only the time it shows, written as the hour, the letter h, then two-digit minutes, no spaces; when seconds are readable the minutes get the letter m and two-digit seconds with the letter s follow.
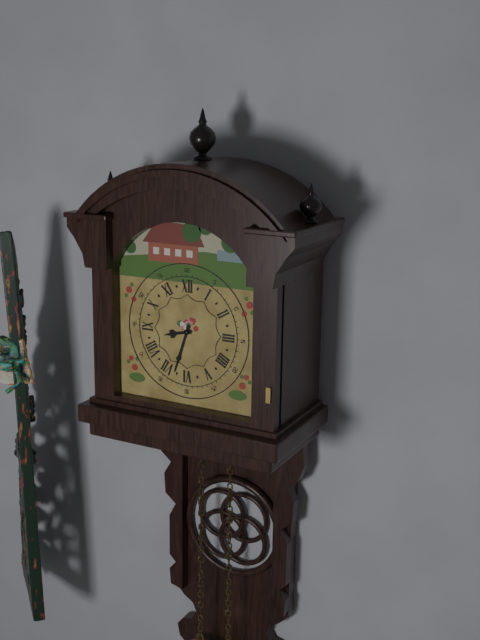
8h33
